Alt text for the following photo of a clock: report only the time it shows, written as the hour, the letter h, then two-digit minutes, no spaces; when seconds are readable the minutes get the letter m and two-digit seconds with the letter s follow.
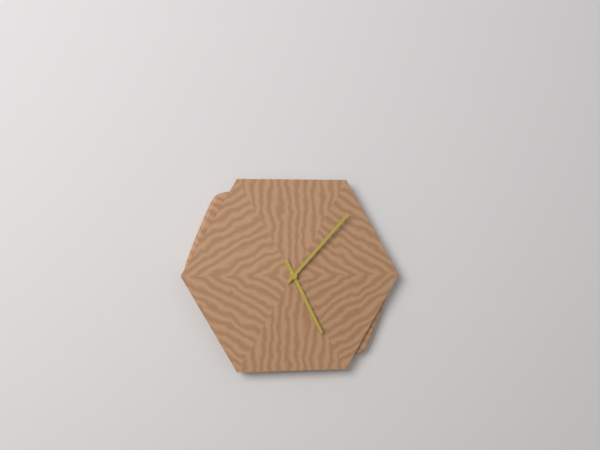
5h07
